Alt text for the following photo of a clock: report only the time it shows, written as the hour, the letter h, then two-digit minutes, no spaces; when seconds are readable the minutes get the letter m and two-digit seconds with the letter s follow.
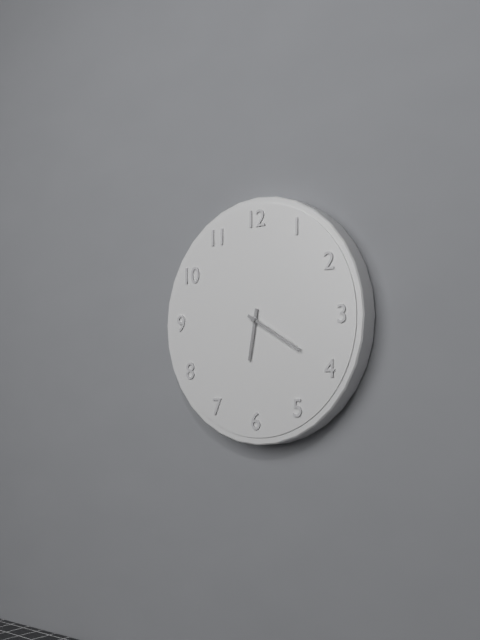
6h20
